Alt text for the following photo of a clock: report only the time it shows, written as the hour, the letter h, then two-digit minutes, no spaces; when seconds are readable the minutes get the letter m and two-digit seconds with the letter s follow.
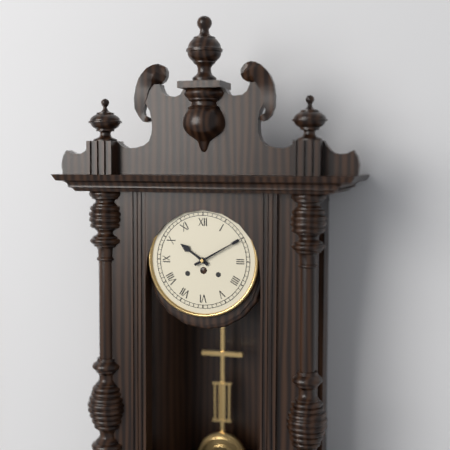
10h10
